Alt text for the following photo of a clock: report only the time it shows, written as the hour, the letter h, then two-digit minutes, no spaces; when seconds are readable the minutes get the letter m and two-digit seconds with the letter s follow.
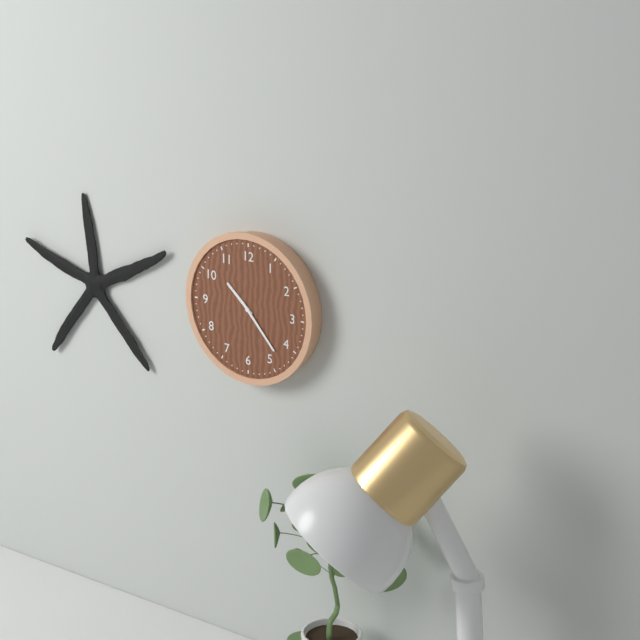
10h23
